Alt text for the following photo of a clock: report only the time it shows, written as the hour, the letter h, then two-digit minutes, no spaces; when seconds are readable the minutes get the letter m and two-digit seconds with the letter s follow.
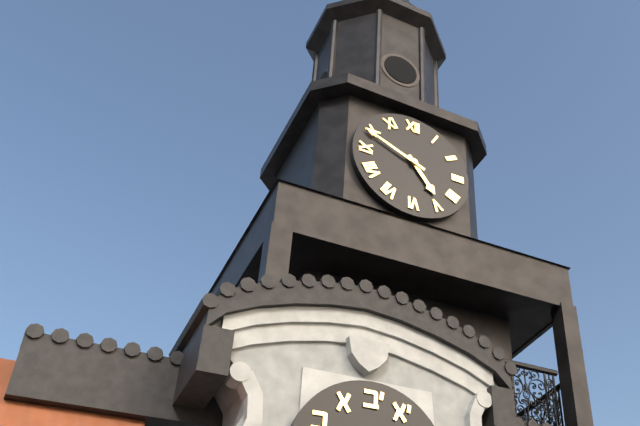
4h49
